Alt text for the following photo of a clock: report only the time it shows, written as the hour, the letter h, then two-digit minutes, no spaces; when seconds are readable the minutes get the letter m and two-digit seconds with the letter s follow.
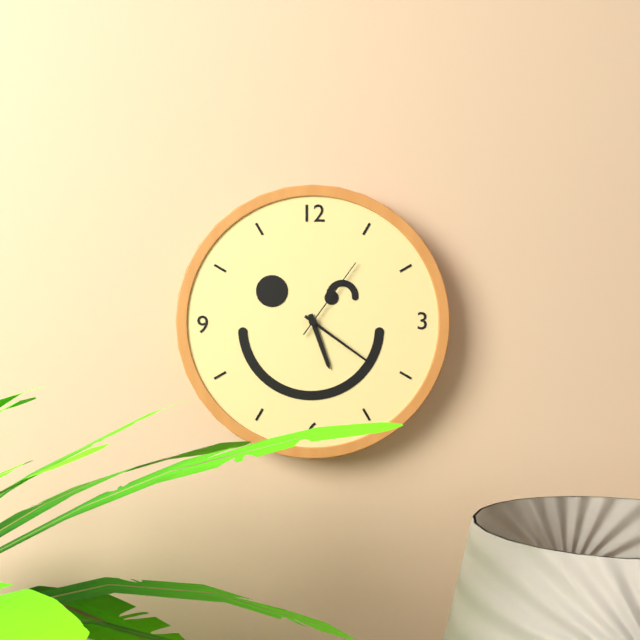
5h21m06s
